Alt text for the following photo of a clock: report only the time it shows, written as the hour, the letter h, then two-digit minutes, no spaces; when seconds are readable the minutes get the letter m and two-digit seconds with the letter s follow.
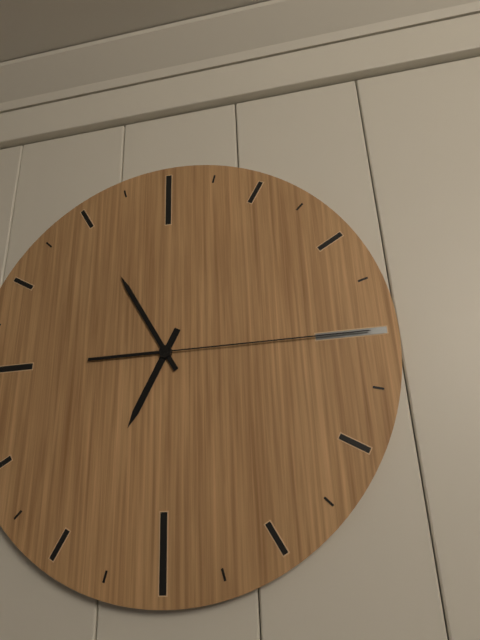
6h55m15s
